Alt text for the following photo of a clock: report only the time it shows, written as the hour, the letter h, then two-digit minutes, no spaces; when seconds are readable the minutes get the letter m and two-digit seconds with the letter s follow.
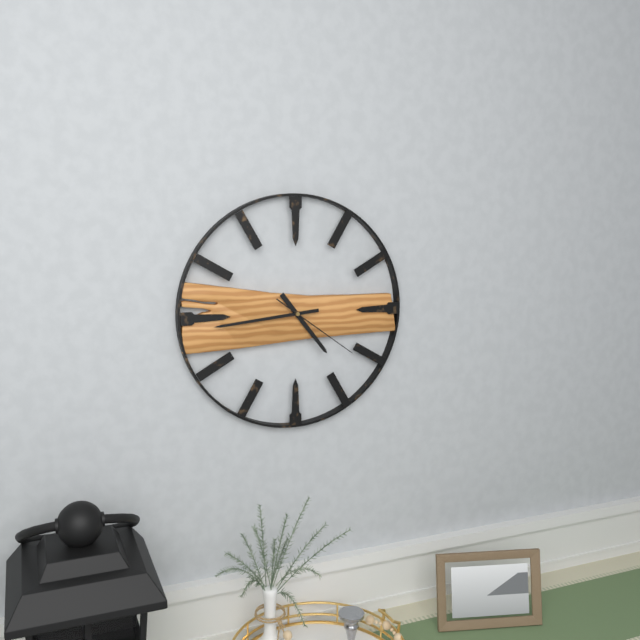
4h44m21s
